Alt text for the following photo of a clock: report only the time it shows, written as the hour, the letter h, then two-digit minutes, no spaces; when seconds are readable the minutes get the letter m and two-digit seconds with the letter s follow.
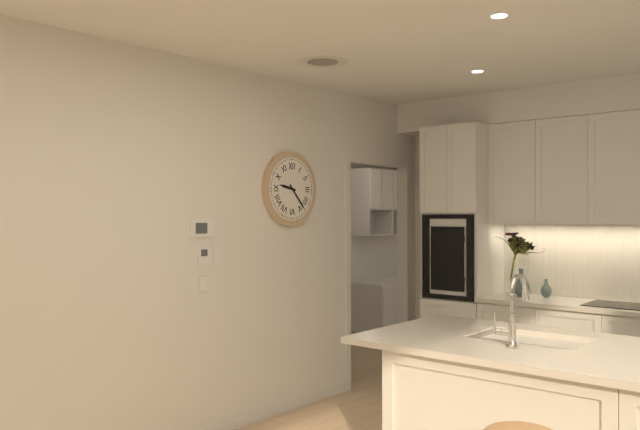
9h23
